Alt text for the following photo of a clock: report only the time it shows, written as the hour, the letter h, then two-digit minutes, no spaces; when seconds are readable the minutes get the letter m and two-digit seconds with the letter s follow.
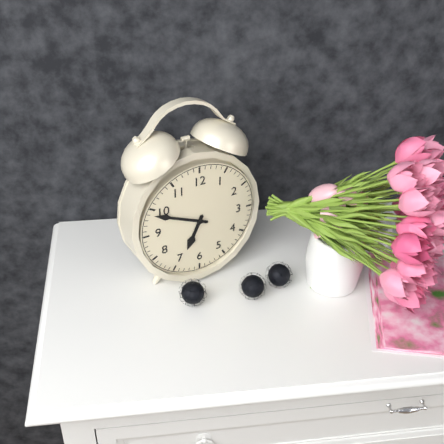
6h49
